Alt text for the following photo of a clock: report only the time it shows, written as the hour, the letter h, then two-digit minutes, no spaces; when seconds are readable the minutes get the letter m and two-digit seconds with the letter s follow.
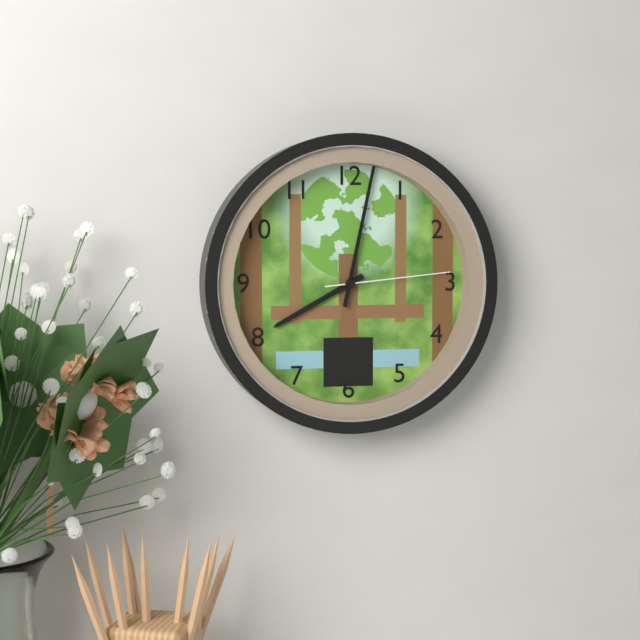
8h02m14s
